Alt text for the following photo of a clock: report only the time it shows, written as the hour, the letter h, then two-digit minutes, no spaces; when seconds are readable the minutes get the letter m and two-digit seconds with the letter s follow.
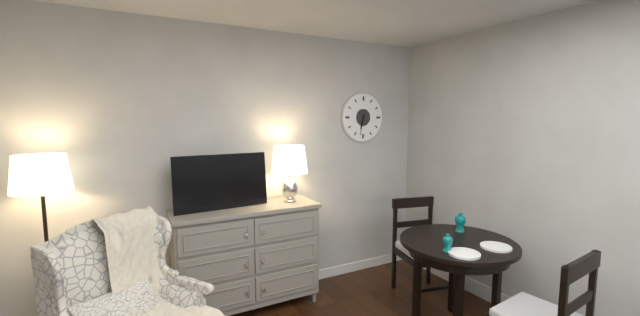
6h32
